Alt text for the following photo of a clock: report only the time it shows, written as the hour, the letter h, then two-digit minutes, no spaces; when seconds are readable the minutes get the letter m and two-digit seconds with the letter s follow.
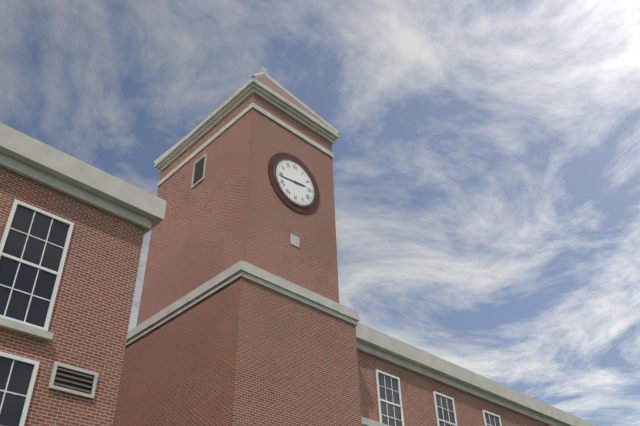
2h44
